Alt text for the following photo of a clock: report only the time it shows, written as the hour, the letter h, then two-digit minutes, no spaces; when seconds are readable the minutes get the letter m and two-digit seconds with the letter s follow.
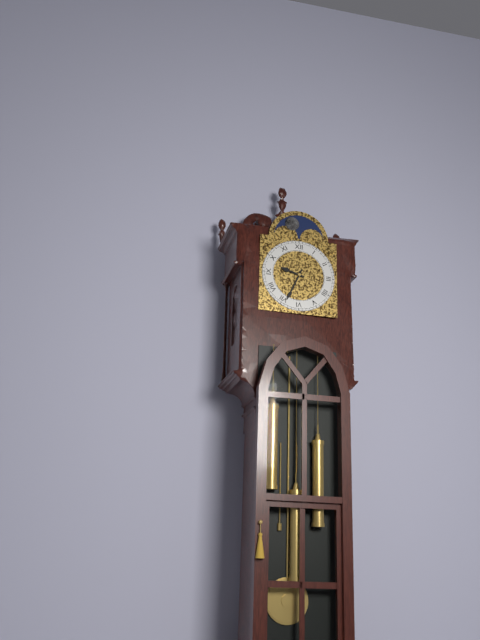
9h34
